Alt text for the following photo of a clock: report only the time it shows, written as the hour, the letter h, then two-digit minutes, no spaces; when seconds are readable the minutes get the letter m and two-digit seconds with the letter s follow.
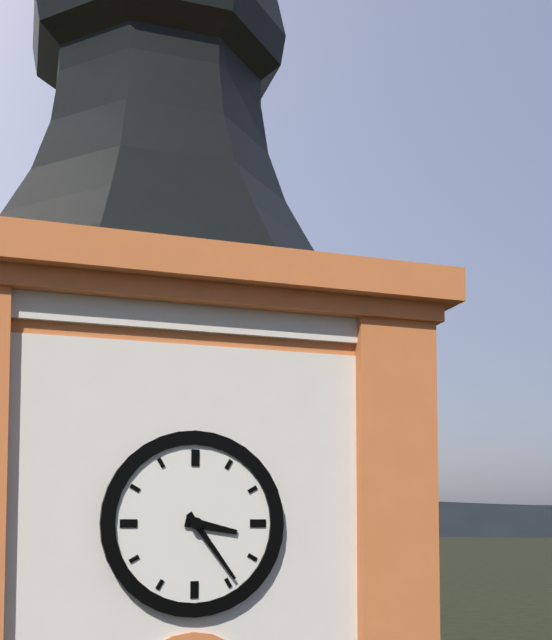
3h24
